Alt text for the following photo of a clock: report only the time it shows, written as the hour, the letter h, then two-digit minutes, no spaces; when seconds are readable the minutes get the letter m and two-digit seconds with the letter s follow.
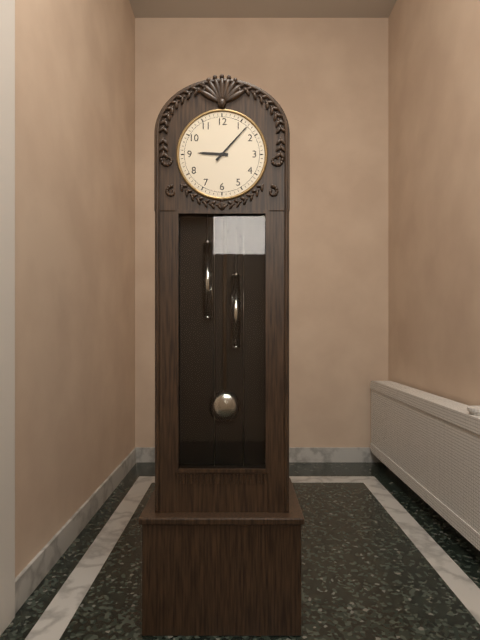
9h07
